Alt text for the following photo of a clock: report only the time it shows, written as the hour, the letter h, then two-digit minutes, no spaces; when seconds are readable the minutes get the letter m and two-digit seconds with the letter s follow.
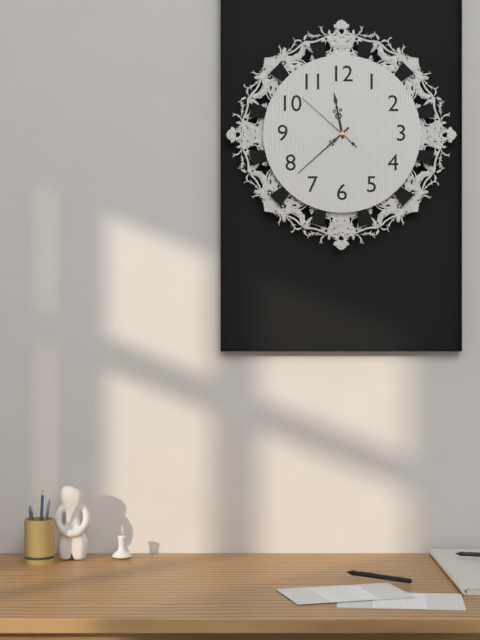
11h38m52s
